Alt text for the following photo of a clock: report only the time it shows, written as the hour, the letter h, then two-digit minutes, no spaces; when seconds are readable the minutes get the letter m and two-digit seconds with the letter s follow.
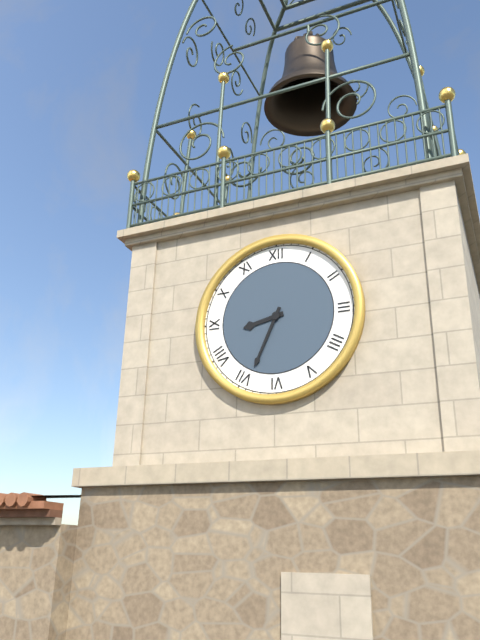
8h34
